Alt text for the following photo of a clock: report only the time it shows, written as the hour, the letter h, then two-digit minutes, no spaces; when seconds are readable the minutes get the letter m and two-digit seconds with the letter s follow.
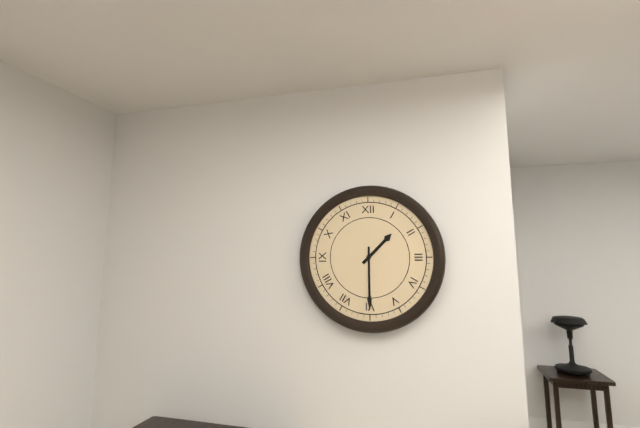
1h30
